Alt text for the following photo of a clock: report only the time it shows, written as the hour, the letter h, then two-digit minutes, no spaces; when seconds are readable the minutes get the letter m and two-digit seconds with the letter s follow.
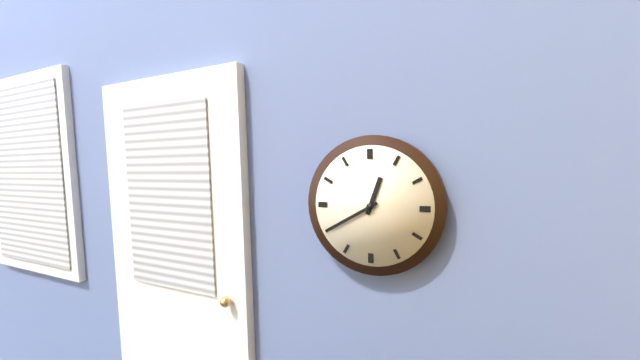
12h40
